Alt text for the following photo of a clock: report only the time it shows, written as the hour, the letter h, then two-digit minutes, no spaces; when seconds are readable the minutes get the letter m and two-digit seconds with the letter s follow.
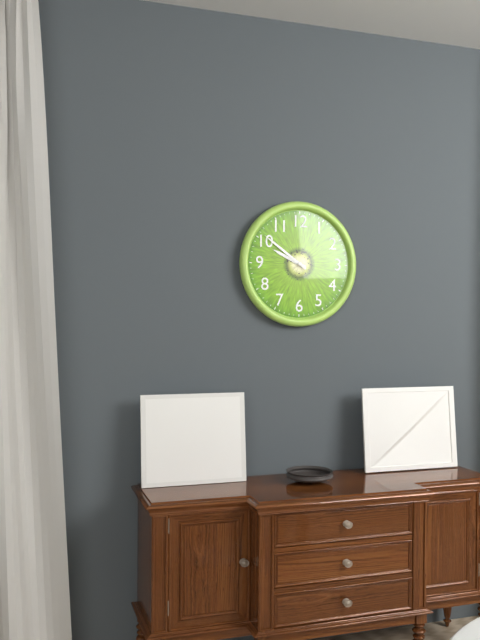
9h51
